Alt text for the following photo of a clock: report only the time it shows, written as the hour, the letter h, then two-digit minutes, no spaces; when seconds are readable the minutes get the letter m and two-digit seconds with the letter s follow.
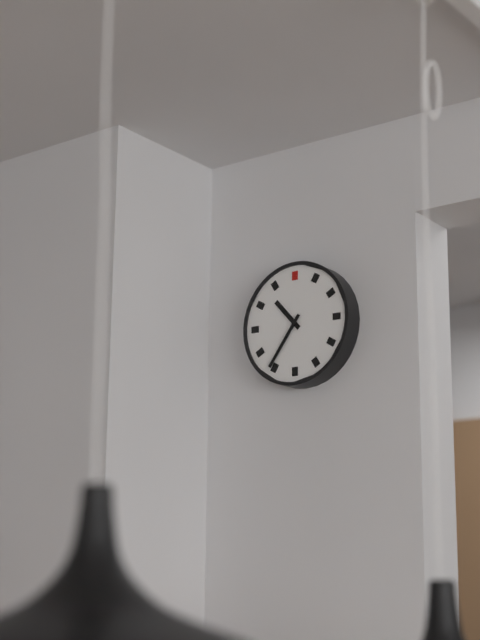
10h36
